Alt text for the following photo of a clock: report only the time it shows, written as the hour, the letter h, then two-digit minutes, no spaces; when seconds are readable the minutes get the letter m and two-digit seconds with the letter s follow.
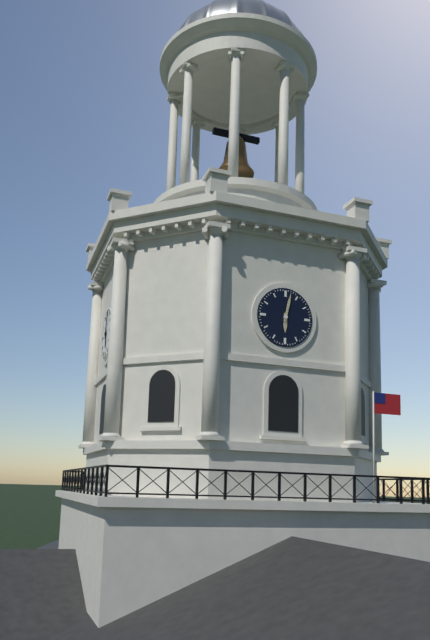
6h02
